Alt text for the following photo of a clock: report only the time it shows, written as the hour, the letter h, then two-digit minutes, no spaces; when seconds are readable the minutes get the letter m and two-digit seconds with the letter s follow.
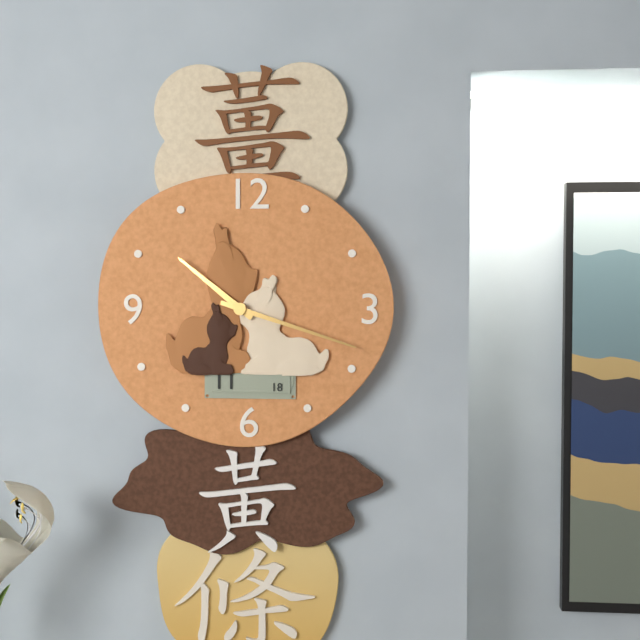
10h18
